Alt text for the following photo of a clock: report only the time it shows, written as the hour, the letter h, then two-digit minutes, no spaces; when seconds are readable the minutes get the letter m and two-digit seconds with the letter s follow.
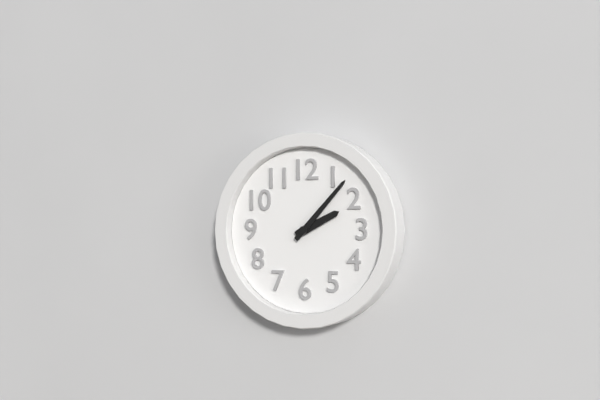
2h07
